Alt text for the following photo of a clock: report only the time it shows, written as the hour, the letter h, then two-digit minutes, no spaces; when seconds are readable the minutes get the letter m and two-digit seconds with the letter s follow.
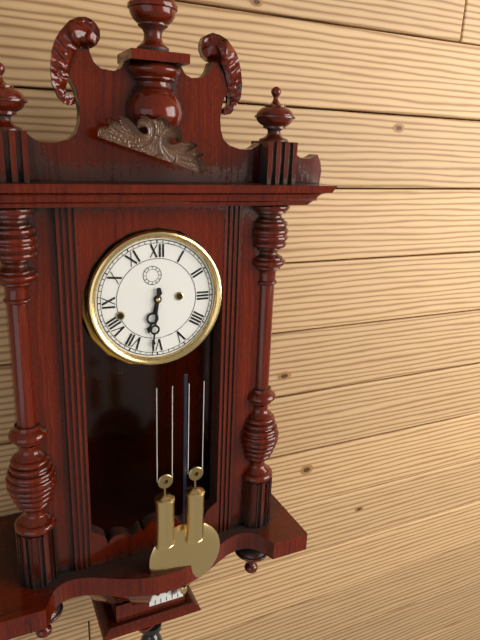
6h31
